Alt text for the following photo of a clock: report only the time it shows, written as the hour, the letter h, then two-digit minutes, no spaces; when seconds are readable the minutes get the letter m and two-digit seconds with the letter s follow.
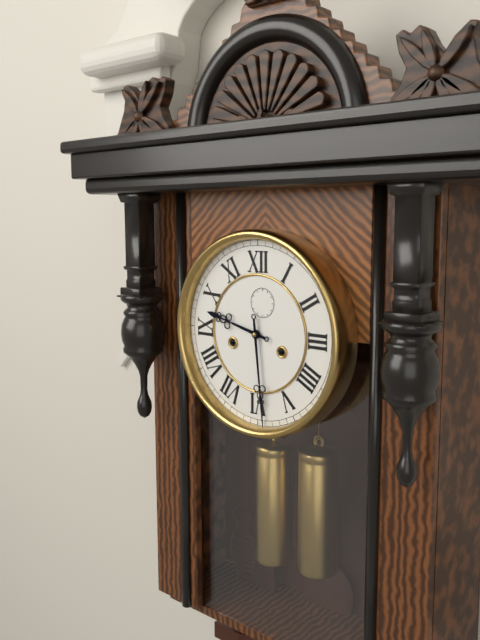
9h29
